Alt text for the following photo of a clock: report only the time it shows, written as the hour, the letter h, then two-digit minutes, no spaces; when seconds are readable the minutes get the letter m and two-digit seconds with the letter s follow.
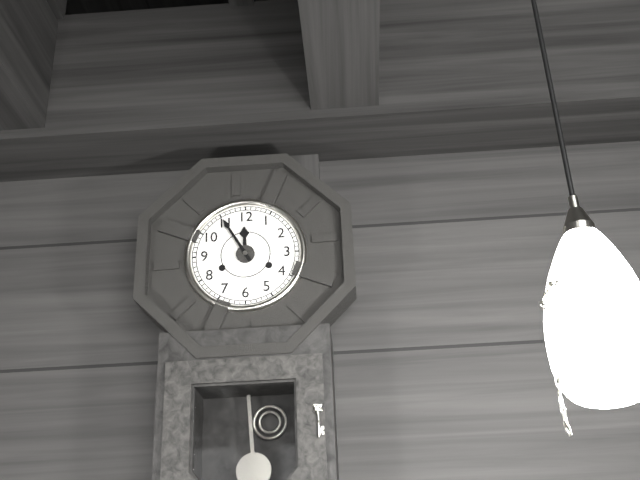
11h55
